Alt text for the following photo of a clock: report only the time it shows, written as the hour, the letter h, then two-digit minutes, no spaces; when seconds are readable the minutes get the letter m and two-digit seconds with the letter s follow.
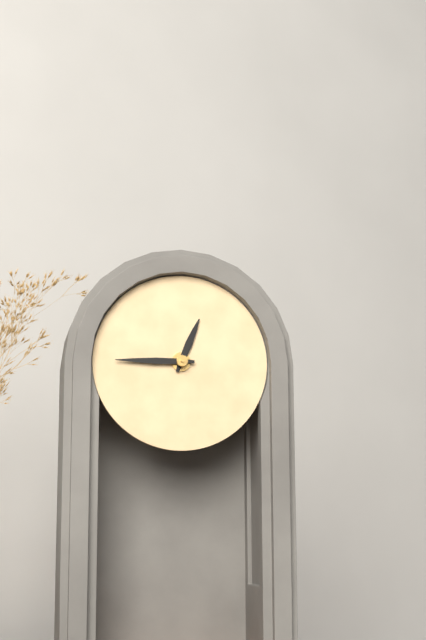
12h45
